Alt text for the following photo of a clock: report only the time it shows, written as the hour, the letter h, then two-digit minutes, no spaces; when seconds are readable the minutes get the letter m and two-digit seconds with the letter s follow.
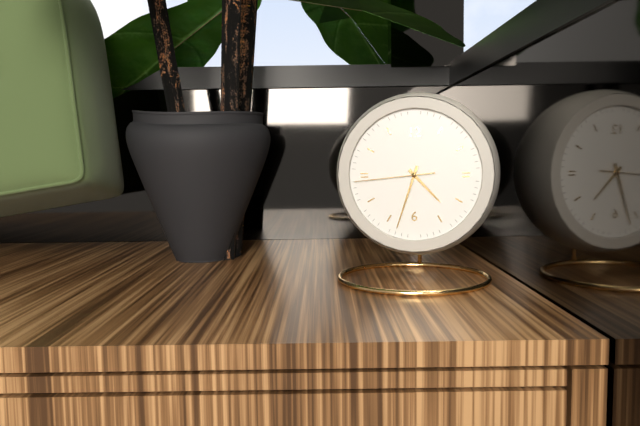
4h33m44s
